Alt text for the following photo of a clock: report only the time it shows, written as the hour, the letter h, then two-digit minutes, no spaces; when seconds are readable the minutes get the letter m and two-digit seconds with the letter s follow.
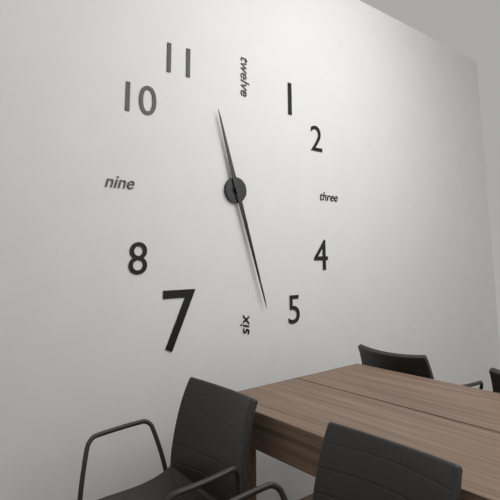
11h27
